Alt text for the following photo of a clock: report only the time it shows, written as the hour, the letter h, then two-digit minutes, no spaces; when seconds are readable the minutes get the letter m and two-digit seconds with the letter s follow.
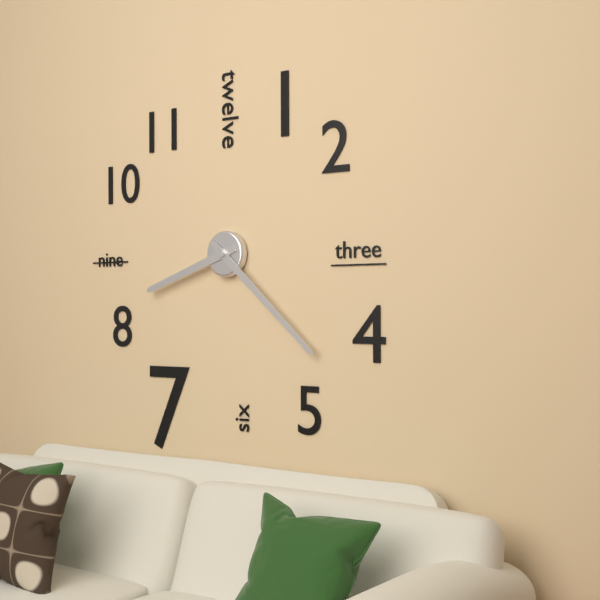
8h22
